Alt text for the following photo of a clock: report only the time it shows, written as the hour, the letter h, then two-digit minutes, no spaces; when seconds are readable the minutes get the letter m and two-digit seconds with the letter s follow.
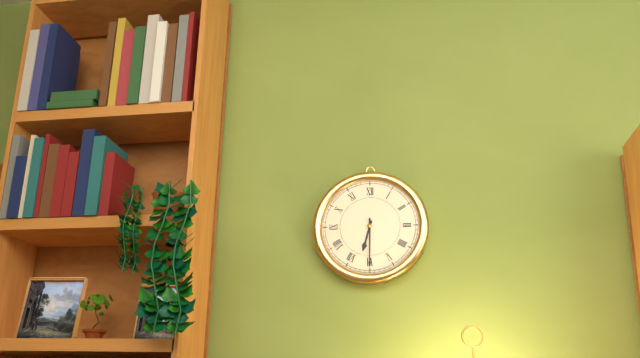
6h30
